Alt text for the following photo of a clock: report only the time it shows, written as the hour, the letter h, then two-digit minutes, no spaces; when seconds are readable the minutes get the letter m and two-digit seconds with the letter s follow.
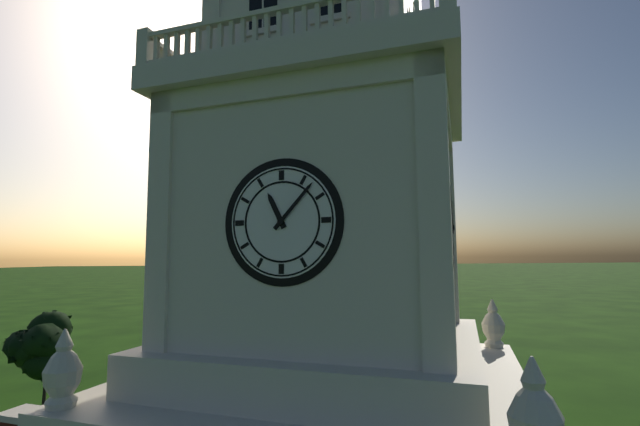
11h07
